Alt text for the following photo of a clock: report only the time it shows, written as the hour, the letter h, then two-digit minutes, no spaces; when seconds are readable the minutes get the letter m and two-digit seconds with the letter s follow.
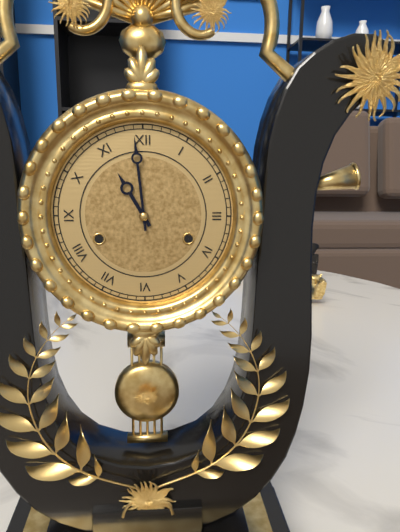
10h59
